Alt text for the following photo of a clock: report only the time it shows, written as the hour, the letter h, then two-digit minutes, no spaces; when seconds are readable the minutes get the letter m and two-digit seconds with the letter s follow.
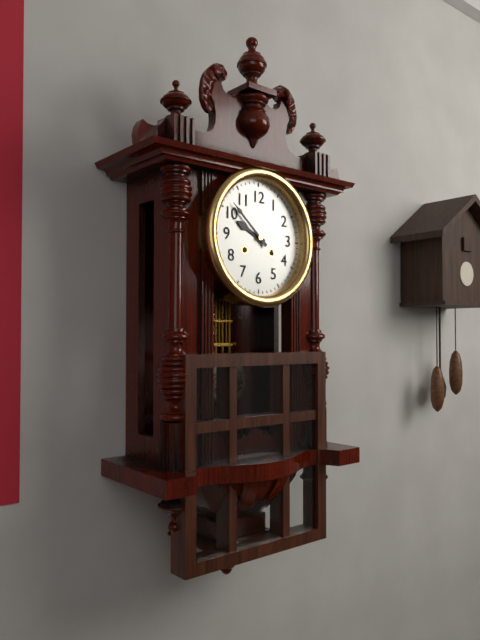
9h52
